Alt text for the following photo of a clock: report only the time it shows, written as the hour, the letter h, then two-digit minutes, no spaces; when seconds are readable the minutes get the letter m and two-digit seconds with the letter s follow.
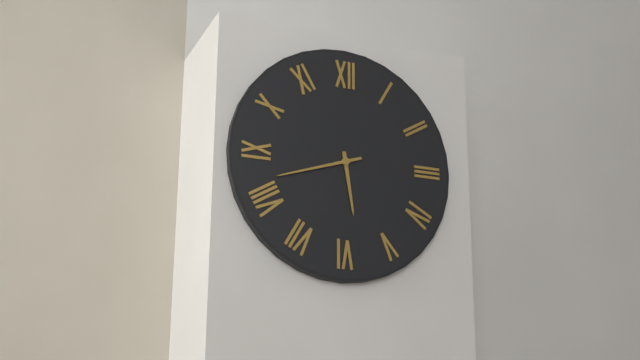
5h42
